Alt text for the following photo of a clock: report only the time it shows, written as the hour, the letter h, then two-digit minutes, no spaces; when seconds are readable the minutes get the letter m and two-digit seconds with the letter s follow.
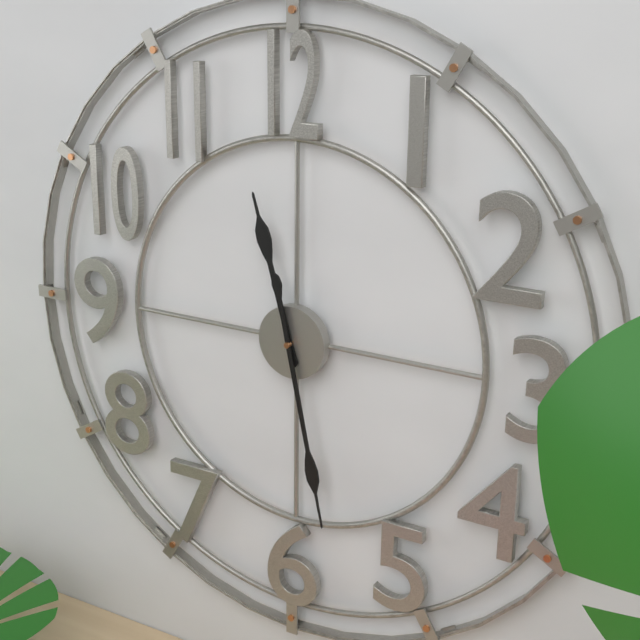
11h28
